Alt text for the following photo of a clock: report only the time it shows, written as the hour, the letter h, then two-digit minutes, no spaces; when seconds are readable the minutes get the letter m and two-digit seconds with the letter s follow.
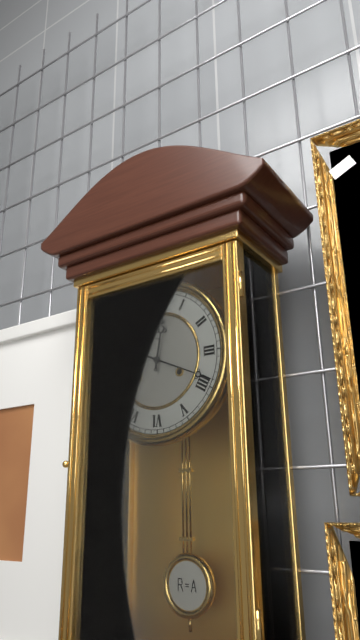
12h19
